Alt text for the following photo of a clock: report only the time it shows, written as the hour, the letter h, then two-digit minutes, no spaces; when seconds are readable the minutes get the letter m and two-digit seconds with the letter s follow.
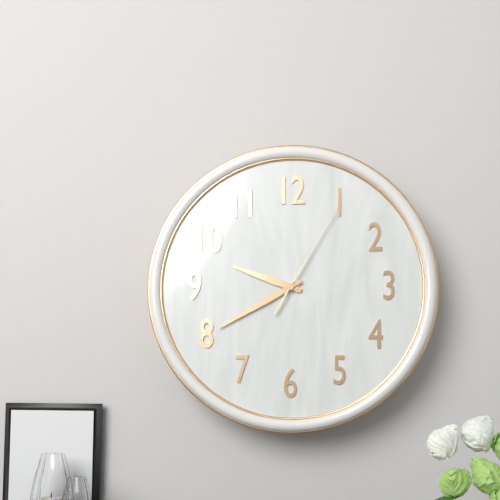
9h40m05s
